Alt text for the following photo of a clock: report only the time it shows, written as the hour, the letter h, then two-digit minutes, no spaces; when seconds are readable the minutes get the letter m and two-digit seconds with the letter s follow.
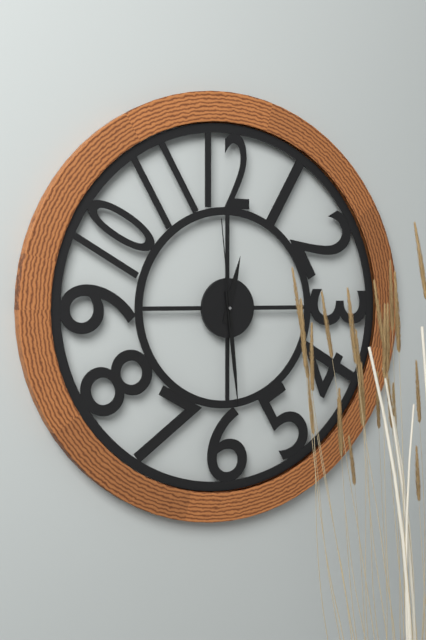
12h29m59s
